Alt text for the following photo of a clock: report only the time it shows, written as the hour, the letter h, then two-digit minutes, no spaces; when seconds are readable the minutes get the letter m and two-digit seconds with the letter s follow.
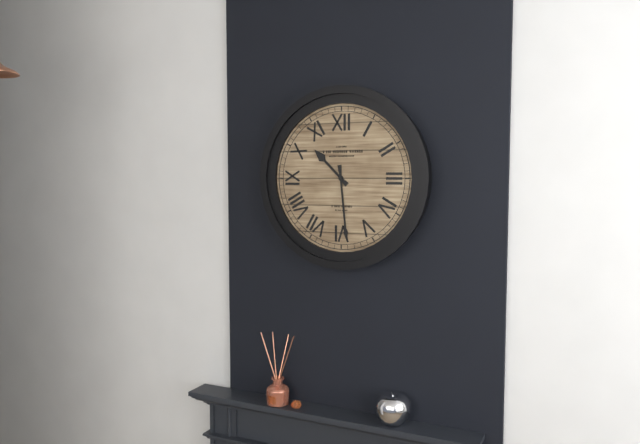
10h29
